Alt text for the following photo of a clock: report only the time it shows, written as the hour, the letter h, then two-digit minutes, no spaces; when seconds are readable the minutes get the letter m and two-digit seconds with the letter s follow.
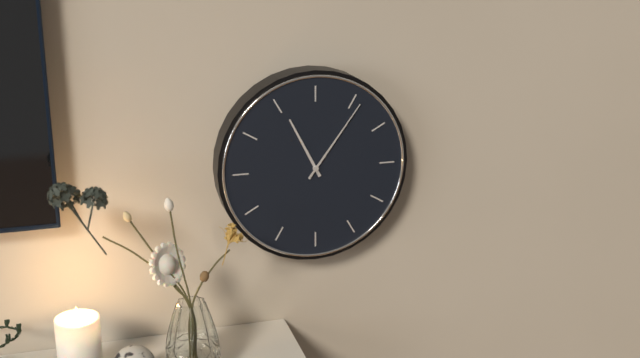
11h06
